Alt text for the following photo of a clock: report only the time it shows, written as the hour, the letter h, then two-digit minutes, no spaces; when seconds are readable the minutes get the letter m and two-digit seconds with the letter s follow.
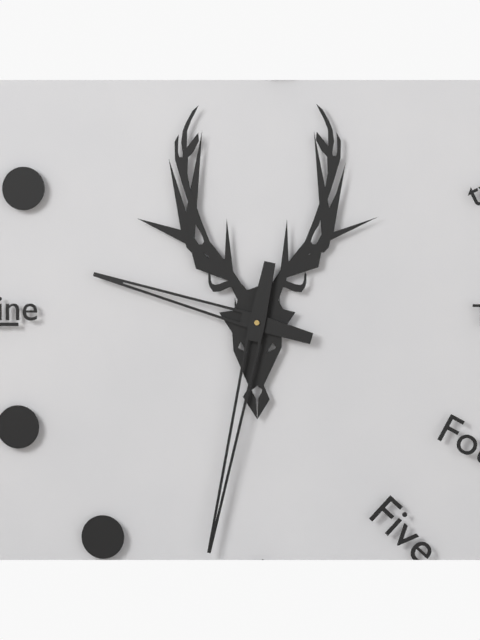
9h32
